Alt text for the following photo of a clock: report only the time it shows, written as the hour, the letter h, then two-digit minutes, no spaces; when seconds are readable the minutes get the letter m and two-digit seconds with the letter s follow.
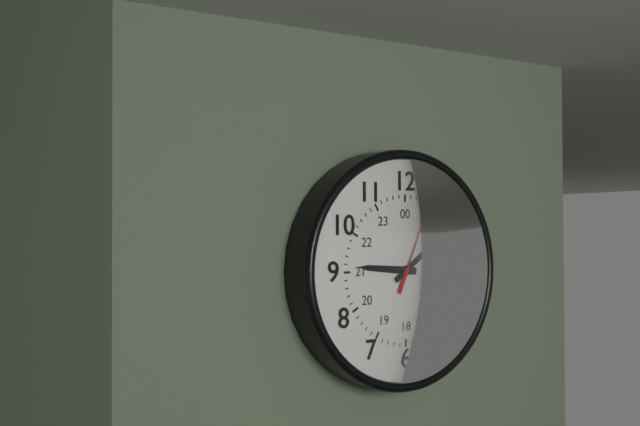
9h09m04s
